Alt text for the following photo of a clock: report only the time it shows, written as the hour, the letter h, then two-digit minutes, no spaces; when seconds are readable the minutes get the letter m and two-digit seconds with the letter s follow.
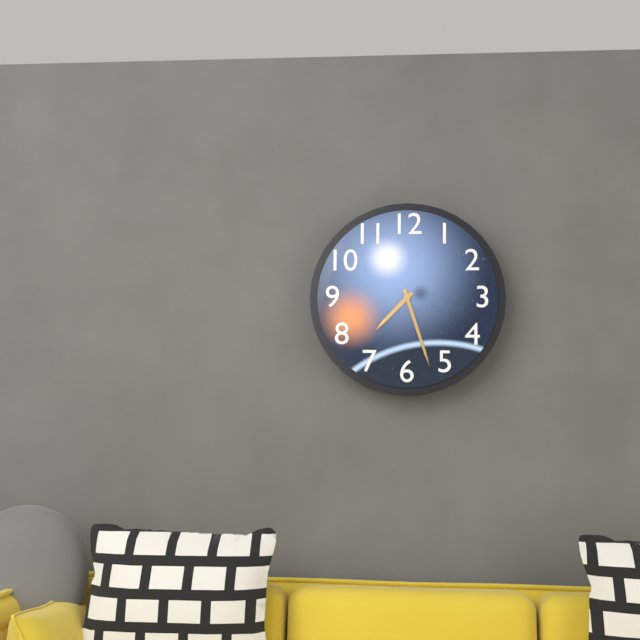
7h27
